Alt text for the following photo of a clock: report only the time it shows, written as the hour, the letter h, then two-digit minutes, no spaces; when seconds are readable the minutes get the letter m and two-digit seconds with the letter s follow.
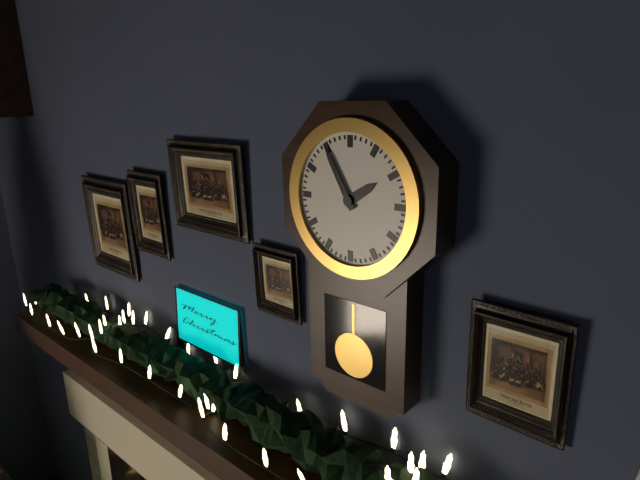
1h55
